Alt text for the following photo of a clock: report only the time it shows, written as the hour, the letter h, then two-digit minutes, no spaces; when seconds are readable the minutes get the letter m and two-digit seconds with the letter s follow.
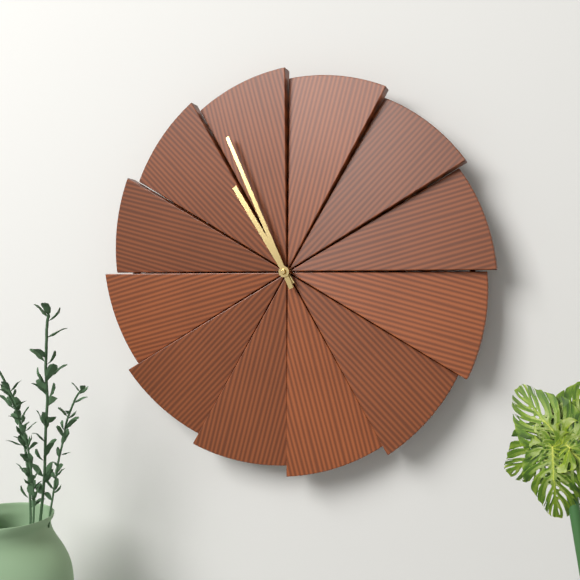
10h56
